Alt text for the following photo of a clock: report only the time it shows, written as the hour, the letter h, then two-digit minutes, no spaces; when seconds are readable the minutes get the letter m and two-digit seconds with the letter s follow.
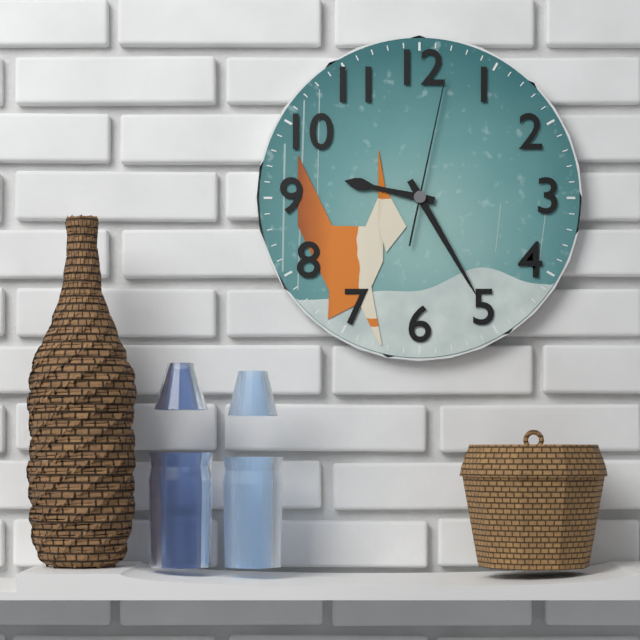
9h25m02s
